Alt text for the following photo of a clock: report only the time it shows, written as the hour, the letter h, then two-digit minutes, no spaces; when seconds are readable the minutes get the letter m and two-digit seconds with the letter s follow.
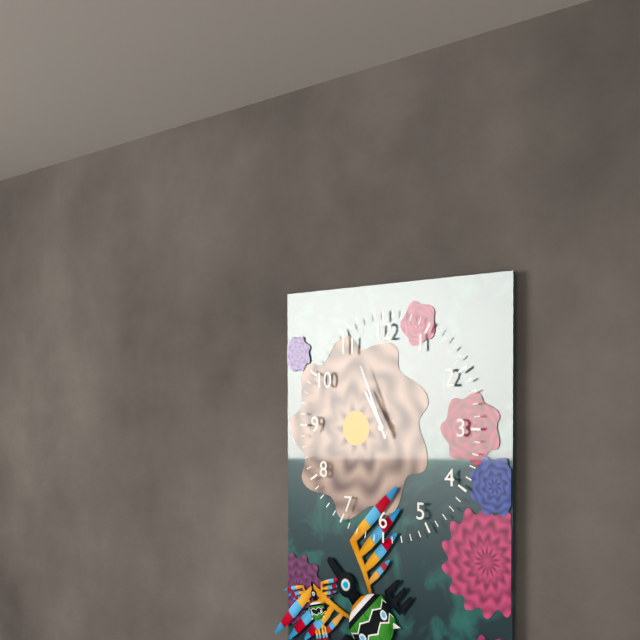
10h56
